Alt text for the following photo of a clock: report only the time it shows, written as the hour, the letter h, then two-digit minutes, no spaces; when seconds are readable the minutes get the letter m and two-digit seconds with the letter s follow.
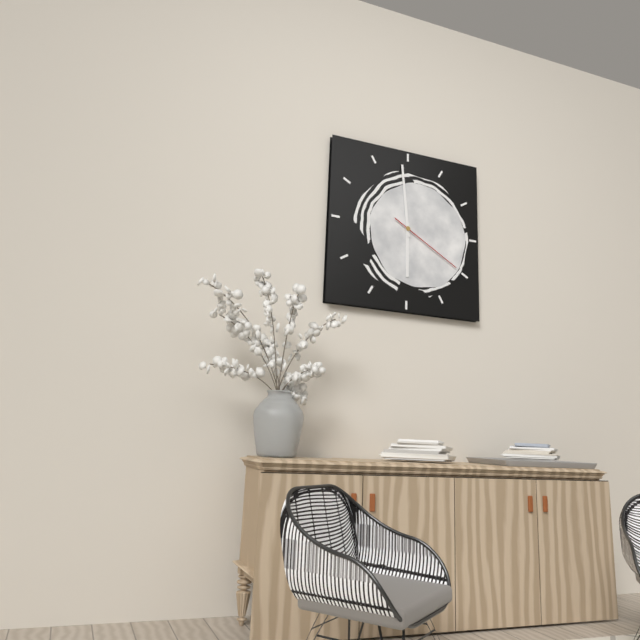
5h59m20s
